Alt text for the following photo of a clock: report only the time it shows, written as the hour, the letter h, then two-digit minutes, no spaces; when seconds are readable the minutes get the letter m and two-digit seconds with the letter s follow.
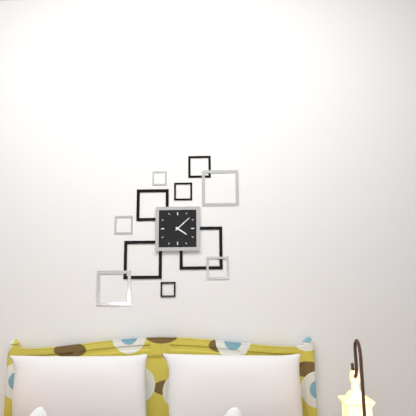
4h08
